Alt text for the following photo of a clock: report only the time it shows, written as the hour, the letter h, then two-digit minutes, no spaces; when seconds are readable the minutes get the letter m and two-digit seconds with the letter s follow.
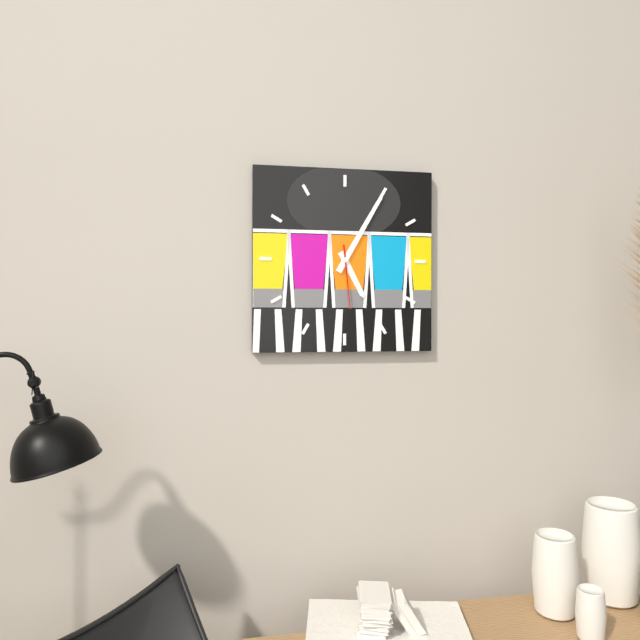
5h05m29s
